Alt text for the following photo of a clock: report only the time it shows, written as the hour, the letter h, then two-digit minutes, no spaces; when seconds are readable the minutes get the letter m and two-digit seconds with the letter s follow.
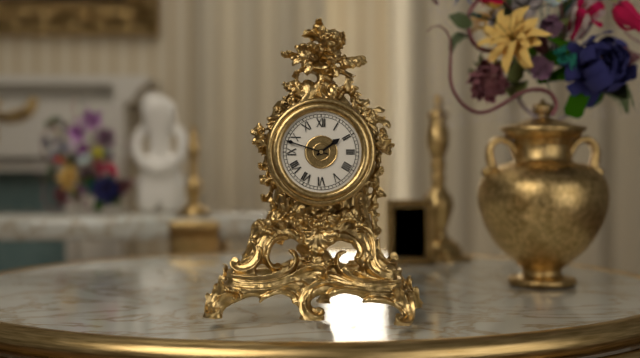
1h48
